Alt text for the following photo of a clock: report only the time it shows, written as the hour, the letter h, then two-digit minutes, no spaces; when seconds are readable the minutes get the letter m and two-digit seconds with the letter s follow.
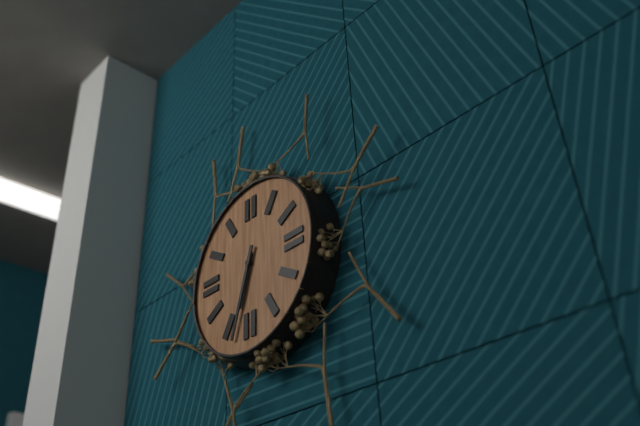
6h33
